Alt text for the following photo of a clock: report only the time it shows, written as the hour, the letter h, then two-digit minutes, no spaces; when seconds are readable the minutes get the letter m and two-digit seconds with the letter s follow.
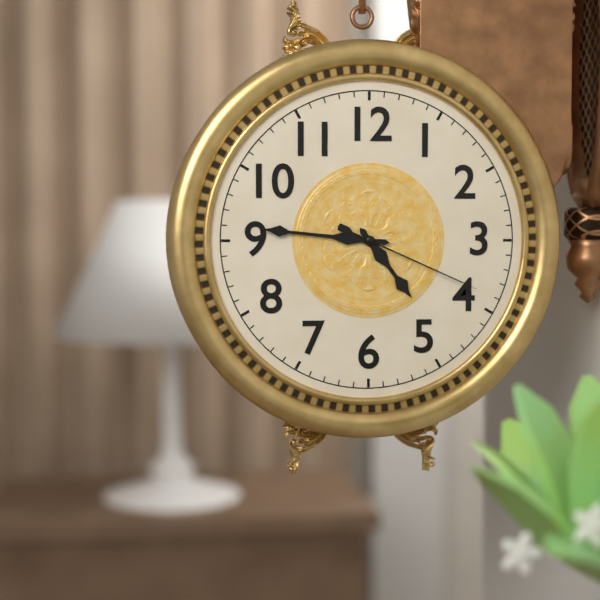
4h46m19s
